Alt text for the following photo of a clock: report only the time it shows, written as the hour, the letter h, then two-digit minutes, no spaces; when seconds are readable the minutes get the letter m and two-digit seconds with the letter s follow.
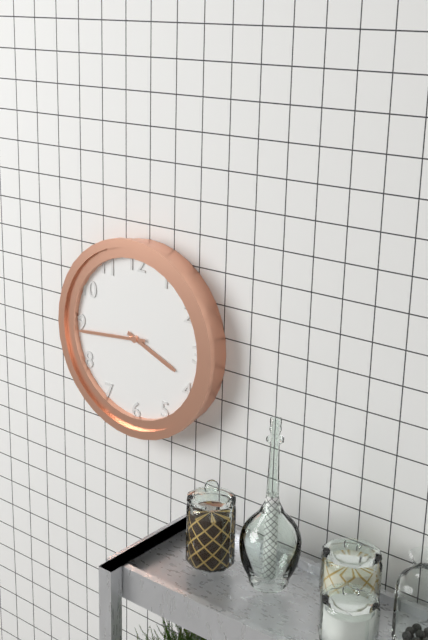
3h44
